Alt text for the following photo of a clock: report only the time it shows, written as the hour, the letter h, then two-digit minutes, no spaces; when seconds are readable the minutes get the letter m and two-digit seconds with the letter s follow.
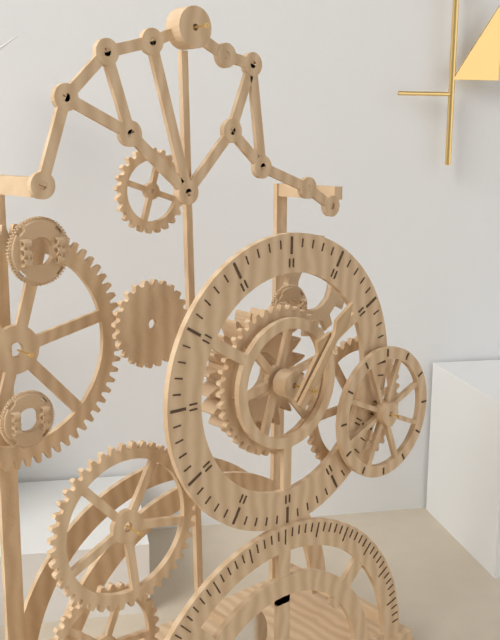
1h06
